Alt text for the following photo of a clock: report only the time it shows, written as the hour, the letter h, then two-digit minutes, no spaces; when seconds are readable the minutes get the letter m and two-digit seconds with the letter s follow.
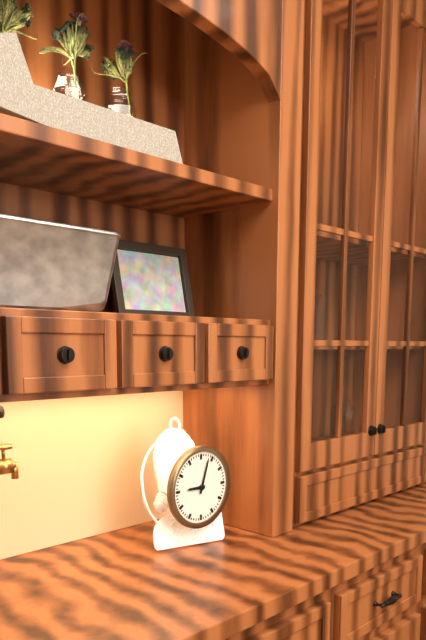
9h03
